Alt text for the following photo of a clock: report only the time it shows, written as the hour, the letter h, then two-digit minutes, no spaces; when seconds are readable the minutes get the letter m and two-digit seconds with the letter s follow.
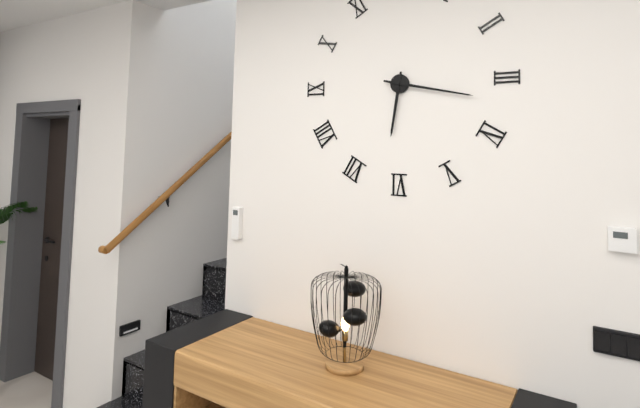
6h17
